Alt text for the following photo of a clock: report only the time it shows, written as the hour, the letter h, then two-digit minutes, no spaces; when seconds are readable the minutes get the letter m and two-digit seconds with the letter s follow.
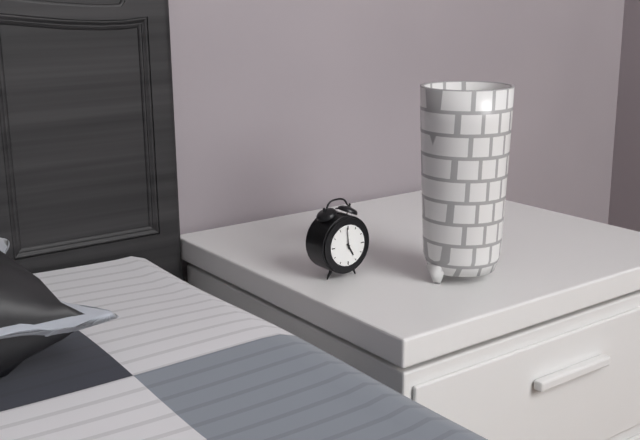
4h59
